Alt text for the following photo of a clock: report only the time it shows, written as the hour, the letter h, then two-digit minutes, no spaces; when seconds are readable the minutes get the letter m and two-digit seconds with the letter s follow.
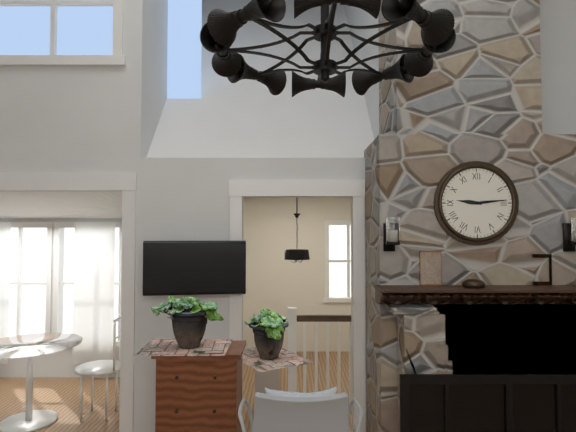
9h14
